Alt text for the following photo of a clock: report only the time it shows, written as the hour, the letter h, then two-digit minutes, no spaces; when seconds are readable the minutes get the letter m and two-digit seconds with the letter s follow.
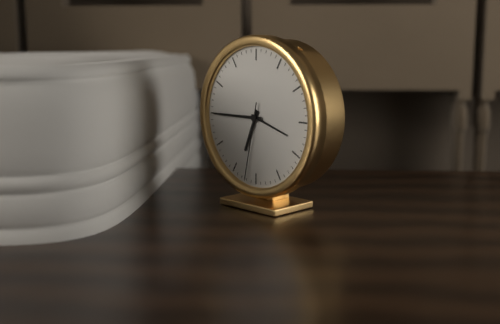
6h45m32s
